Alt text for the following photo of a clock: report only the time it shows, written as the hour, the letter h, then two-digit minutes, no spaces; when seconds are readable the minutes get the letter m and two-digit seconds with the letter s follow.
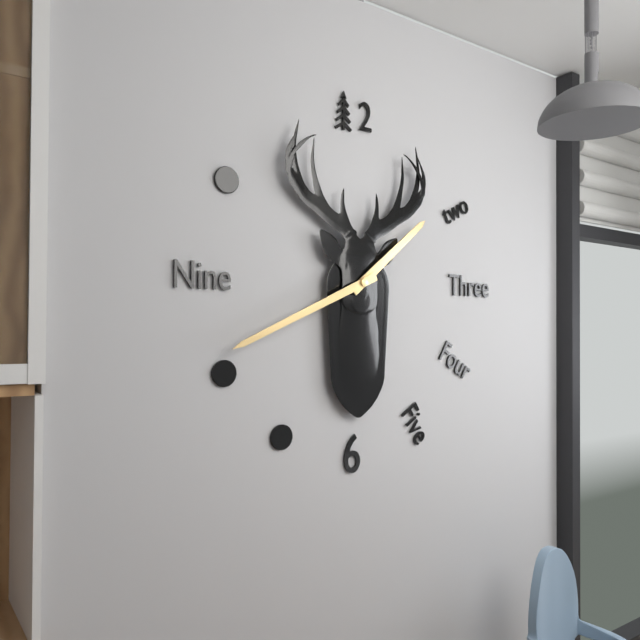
1h41
